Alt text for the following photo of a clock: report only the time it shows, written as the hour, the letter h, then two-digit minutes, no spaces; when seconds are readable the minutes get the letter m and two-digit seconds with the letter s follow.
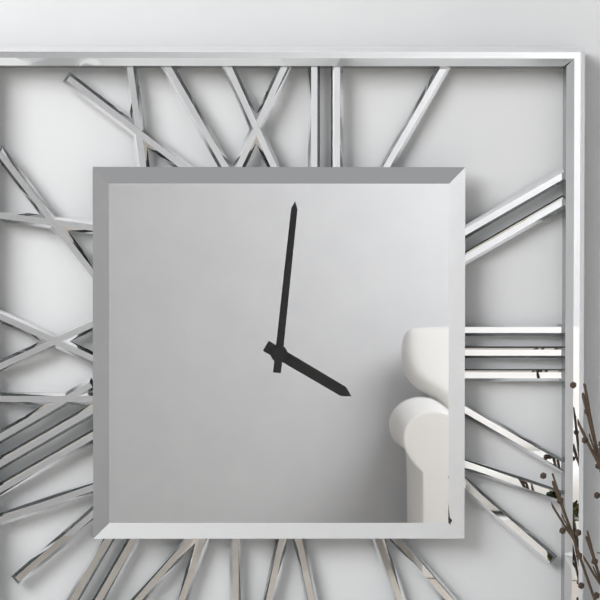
4h01
